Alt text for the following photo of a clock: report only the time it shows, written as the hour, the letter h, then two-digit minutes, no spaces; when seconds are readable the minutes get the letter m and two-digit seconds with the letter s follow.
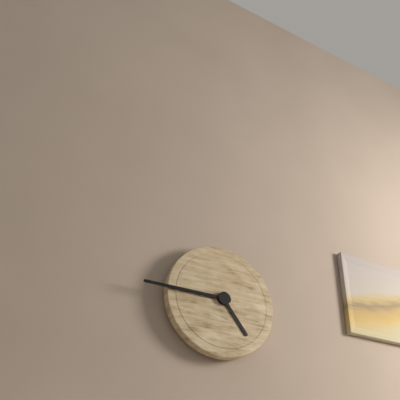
4h45
